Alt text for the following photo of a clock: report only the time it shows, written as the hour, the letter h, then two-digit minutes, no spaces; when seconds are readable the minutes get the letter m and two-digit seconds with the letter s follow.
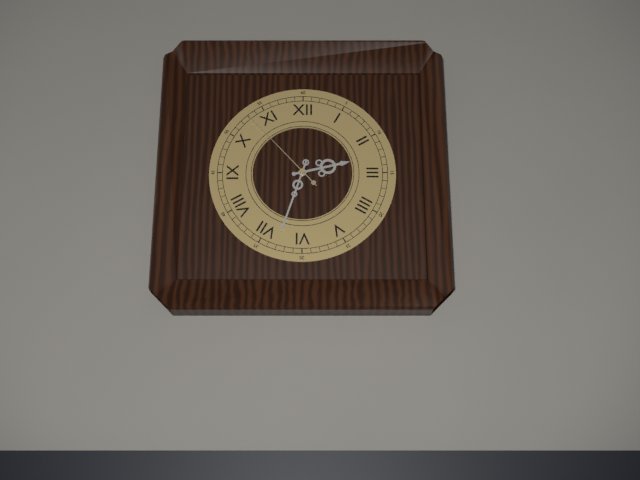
2h33m53s
